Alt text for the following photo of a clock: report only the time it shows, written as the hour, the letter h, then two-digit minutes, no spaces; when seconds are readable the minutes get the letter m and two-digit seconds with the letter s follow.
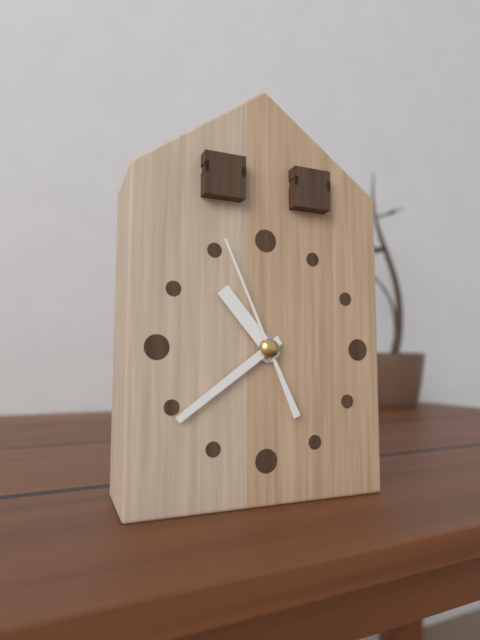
10h39m56s
